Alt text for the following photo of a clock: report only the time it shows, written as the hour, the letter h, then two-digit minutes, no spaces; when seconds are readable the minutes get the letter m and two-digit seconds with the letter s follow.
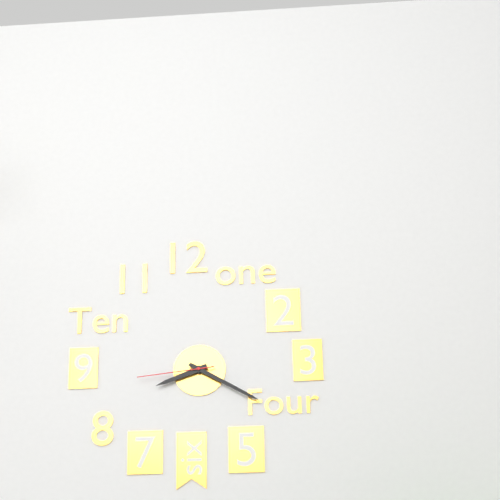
8h20m44s
